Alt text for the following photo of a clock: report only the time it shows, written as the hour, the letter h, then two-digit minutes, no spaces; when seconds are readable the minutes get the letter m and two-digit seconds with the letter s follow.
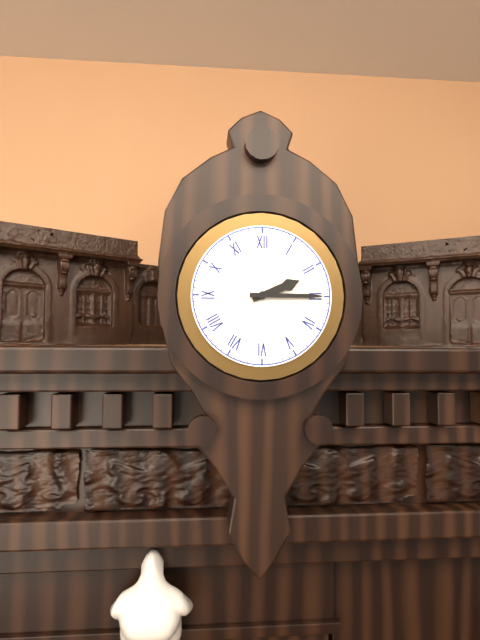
2h15
